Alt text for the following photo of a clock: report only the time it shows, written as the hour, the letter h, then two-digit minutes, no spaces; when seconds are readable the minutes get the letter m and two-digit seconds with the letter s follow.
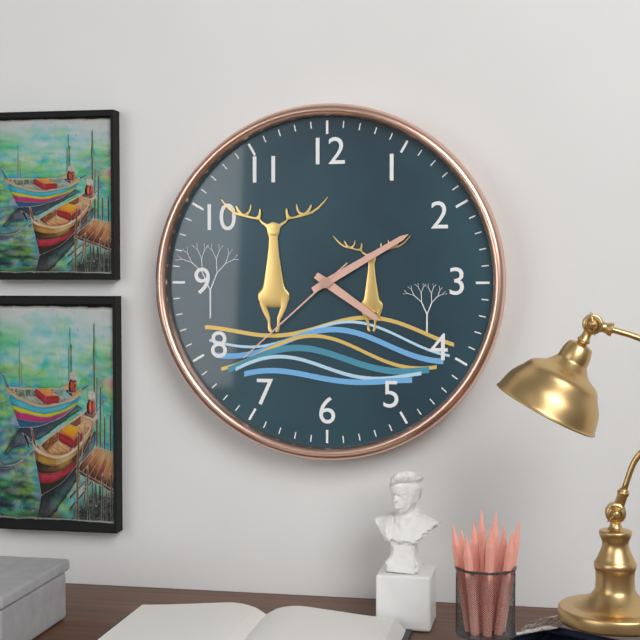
4h10m38s
